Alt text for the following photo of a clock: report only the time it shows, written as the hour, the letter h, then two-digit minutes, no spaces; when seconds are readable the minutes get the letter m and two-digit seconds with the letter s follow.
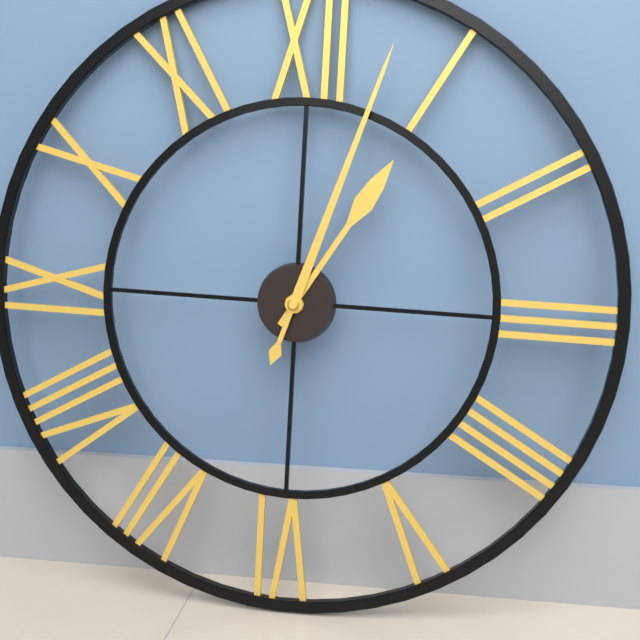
1h03
